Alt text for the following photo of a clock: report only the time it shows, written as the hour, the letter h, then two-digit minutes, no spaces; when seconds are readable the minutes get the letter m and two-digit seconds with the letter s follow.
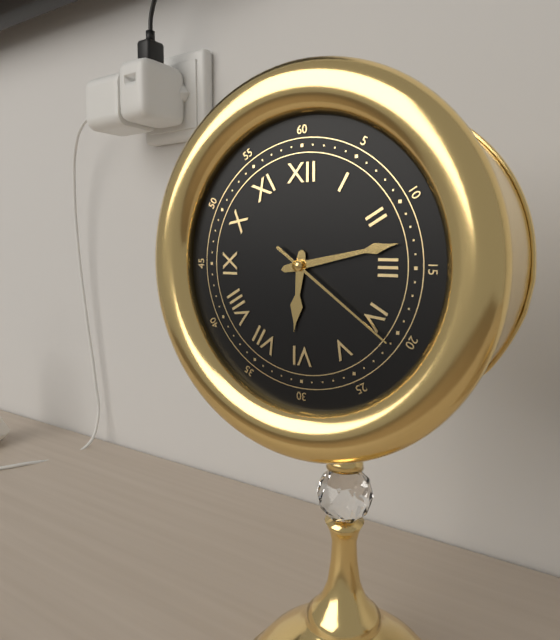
6h13m21s
